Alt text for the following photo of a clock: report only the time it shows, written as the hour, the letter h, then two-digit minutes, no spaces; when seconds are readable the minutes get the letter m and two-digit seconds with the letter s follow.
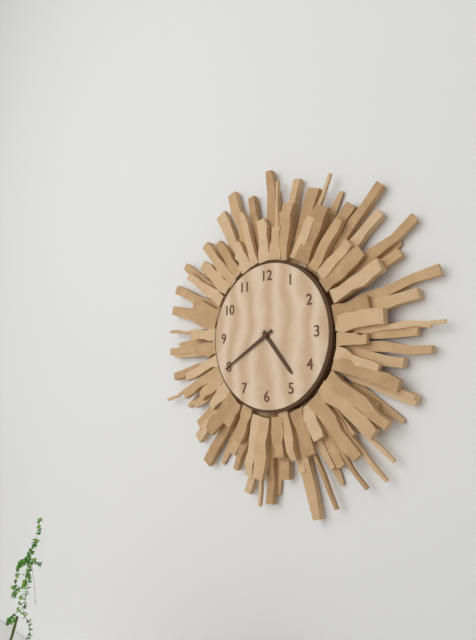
4h40
